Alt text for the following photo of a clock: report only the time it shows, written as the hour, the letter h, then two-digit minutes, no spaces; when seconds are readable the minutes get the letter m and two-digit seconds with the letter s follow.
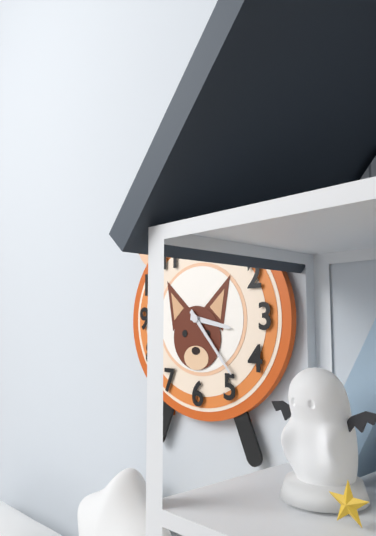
3h23
